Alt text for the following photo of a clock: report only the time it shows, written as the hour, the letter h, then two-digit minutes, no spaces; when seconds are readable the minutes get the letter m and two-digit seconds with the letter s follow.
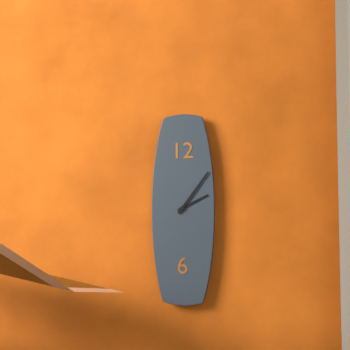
2h06
